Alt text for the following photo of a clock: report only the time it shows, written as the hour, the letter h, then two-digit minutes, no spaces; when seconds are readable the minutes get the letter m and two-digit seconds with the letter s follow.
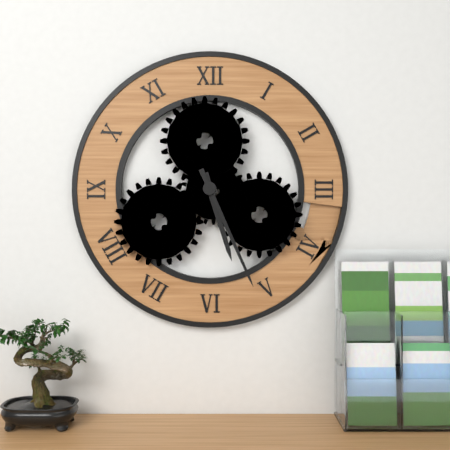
5h26
